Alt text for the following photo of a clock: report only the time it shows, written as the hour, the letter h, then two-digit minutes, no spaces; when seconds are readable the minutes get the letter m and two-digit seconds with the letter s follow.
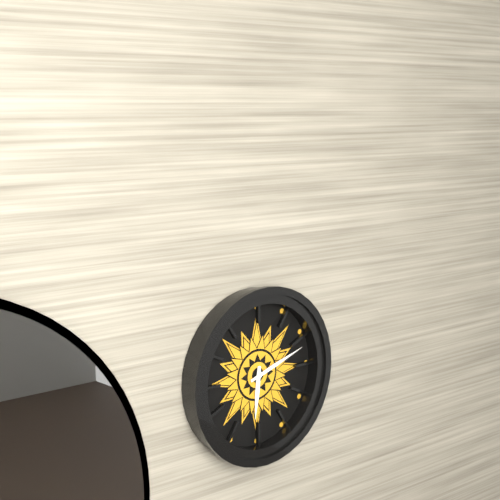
6h12
